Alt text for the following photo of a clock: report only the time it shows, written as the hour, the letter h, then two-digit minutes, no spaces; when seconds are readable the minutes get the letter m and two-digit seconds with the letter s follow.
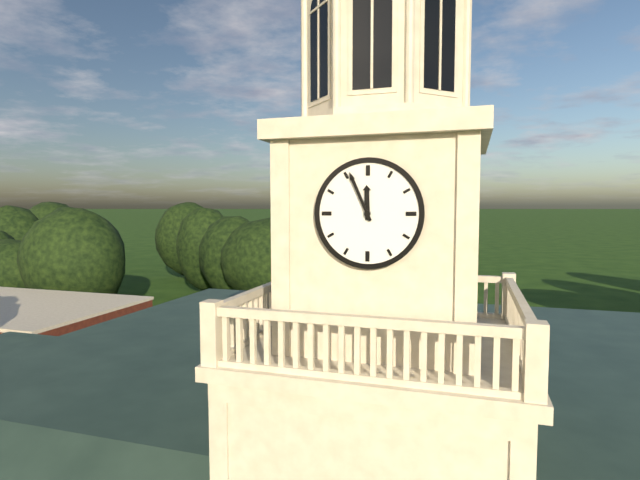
11h56
